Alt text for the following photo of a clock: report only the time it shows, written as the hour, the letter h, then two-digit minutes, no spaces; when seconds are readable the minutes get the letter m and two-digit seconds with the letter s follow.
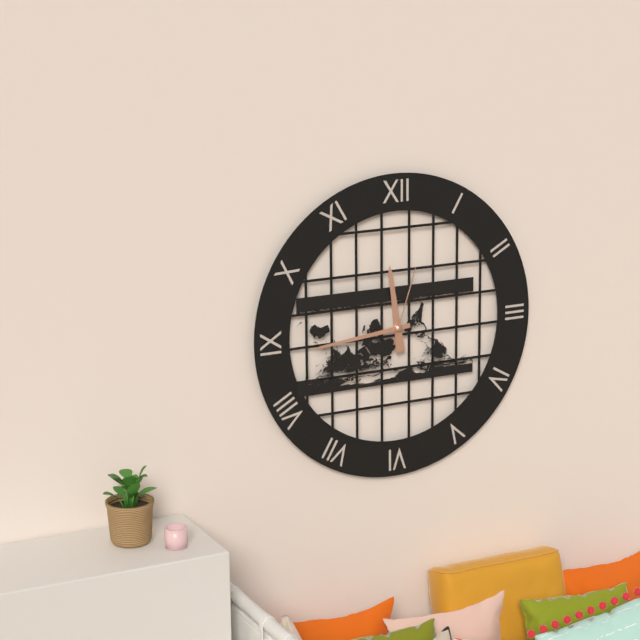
11h44m03s
